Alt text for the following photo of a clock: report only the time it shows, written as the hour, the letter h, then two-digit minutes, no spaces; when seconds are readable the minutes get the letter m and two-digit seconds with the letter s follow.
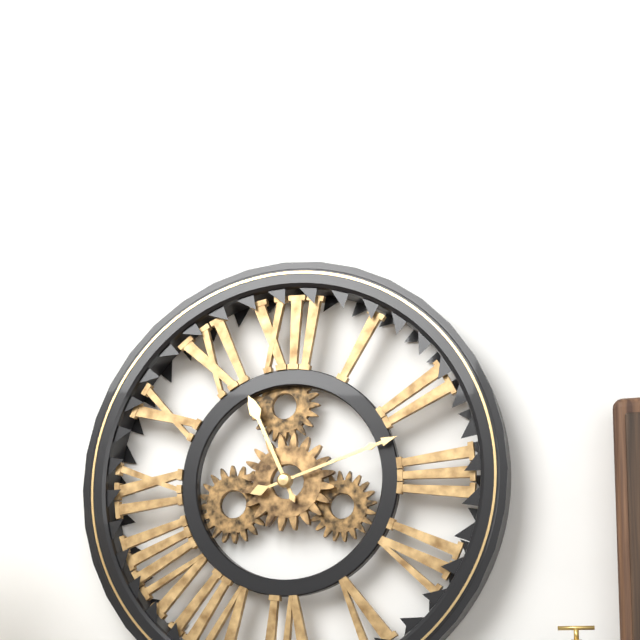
11h12
